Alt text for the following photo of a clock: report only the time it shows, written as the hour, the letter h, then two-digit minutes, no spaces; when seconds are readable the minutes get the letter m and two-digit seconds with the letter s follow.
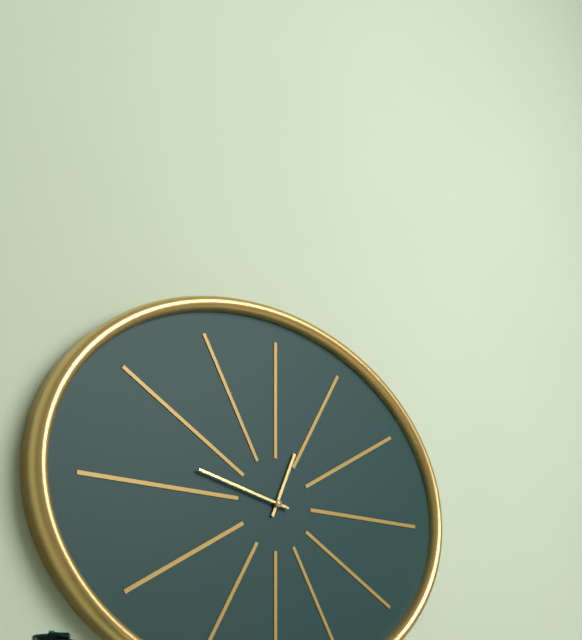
12h47
